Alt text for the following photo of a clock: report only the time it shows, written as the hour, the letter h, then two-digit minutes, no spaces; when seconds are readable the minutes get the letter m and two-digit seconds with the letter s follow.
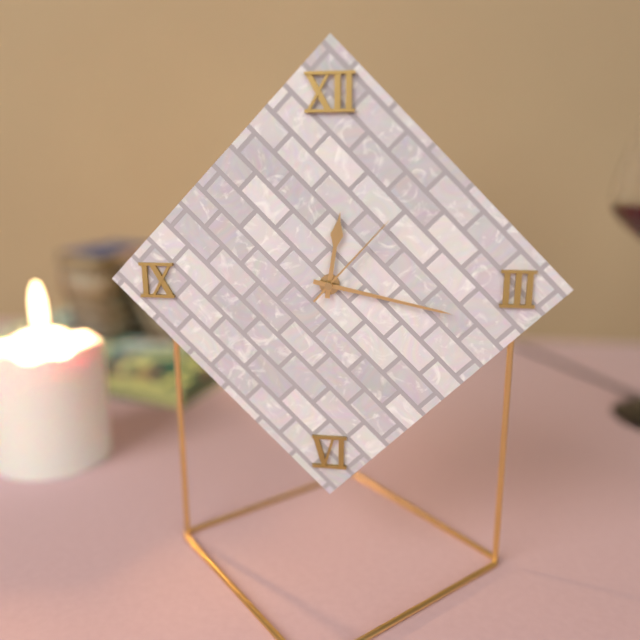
12h17m07s
